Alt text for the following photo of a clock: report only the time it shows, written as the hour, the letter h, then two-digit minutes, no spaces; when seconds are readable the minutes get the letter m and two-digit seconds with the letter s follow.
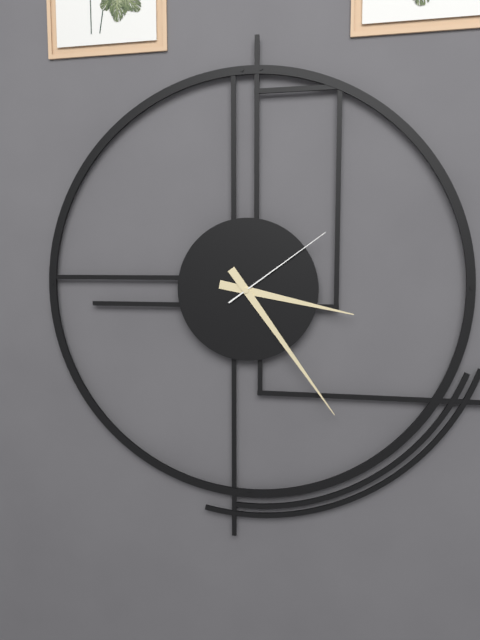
3h24m09s
